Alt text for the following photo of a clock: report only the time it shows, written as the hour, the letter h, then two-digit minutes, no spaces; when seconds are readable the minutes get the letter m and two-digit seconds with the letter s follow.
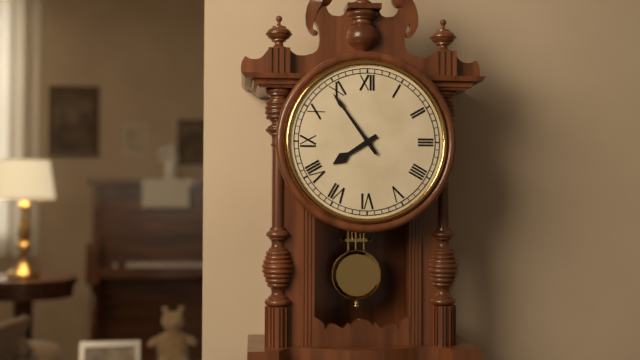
7h54
